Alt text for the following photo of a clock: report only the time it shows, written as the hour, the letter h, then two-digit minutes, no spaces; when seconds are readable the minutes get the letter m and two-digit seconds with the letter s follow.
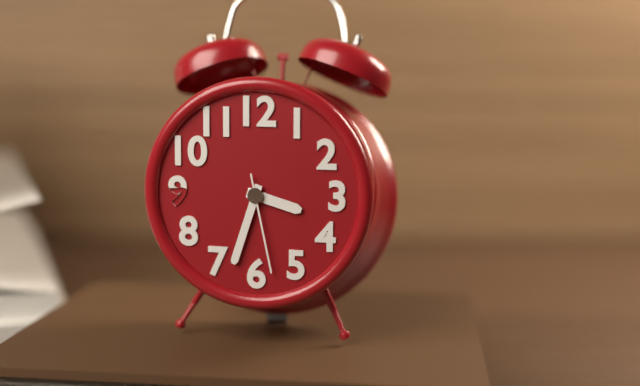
3h33m28s
